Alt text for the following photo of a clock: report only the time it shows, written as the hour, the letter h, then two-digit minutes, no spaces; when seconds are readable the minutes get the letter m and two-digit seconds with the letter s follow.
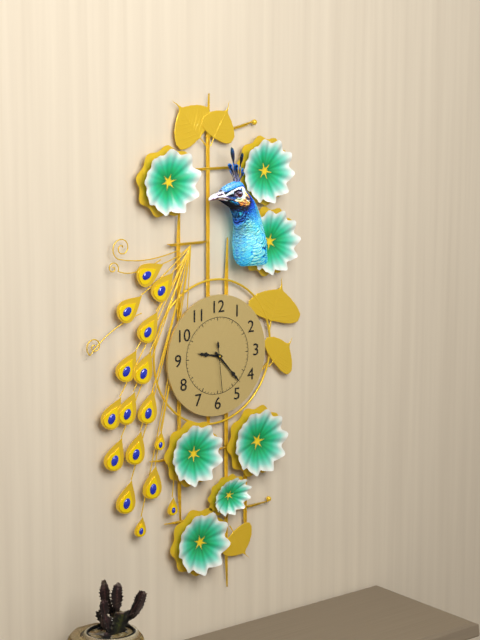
9h23
